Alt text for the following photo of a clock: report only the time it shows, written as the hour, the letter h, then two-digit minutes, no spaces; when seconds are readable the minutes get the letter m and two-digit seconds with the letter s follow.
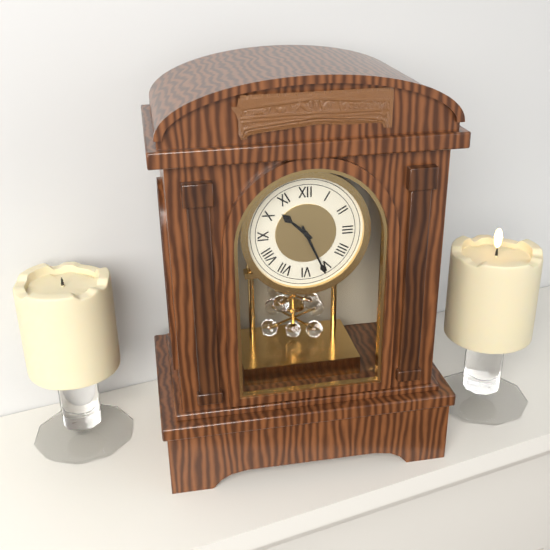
10h26
